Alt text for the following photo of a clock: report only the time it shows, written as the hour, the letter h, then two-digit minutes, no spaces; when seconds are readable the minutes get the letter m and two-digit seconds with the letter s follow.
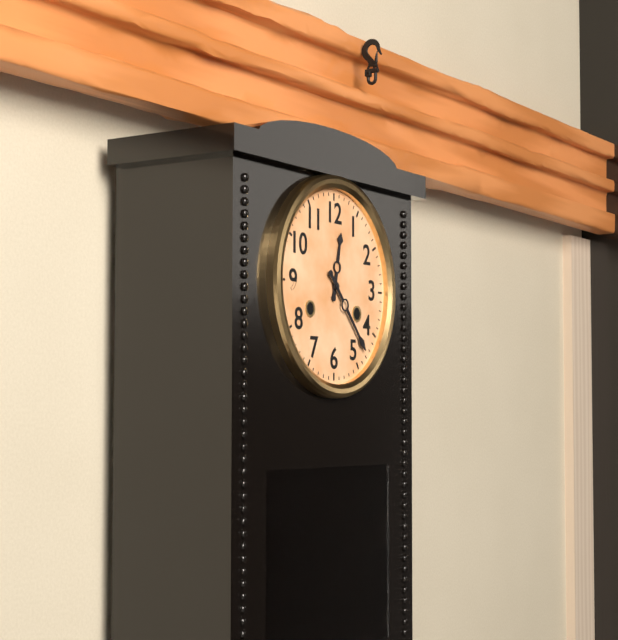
12h23
